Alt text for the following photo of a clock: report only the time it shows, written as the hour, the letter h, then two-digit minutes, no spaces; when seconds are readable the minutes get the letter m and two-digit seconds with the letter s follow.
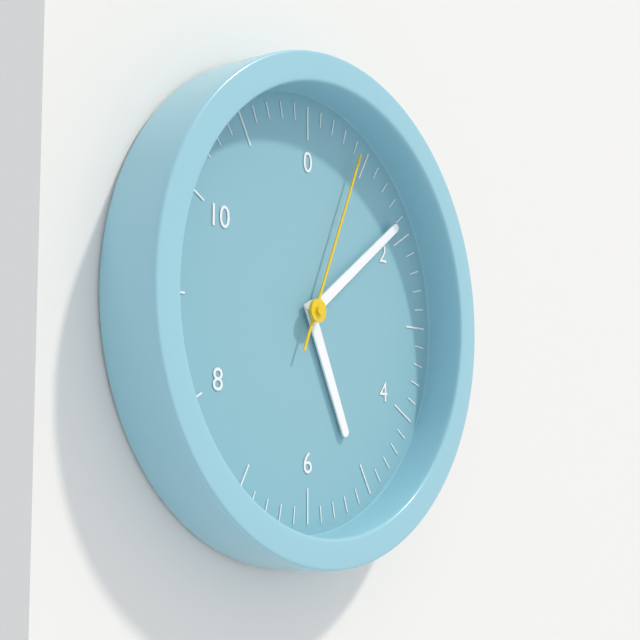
5h09m04s
